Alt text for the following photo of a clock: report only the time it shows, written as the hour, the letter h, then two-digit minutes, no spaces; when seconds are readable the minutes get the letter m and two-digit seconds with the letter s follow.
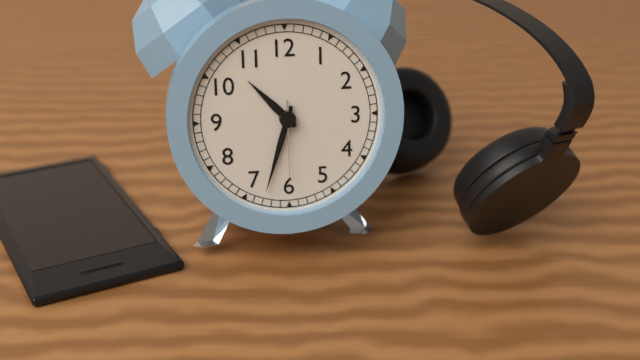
10h33m30s
